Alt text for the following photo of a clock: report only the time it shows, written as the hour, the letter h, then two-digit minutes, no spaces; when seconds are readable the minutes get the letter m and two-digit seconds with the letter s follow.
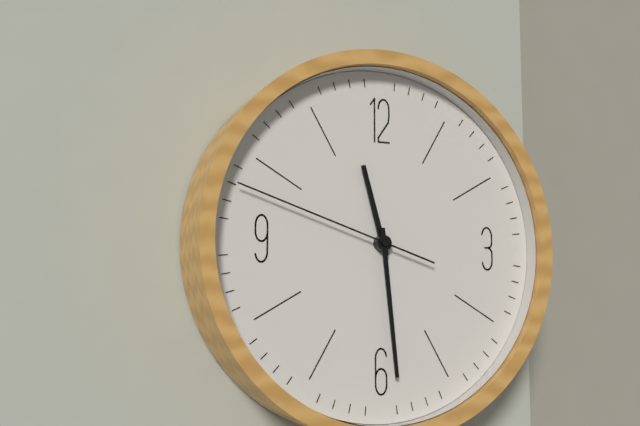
11h29m48s
